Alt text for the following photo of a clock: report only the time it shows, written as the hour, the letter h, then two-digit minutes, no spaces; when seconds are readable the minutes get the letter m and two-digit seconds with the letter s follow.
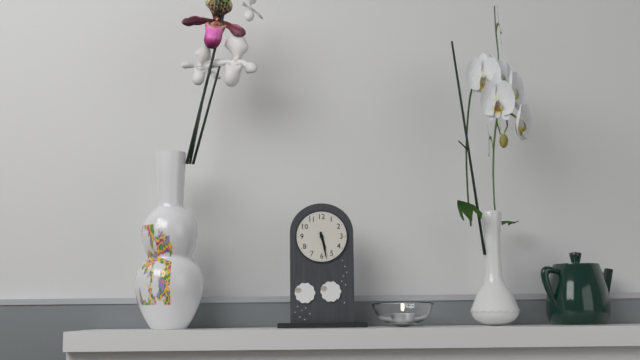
5h28
